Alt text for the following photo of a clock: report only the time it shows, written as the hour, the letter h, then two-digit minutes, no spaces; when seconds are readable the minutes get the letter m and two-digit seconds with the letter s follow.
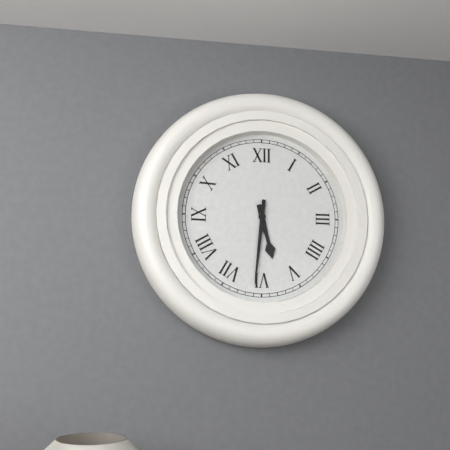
5h31
